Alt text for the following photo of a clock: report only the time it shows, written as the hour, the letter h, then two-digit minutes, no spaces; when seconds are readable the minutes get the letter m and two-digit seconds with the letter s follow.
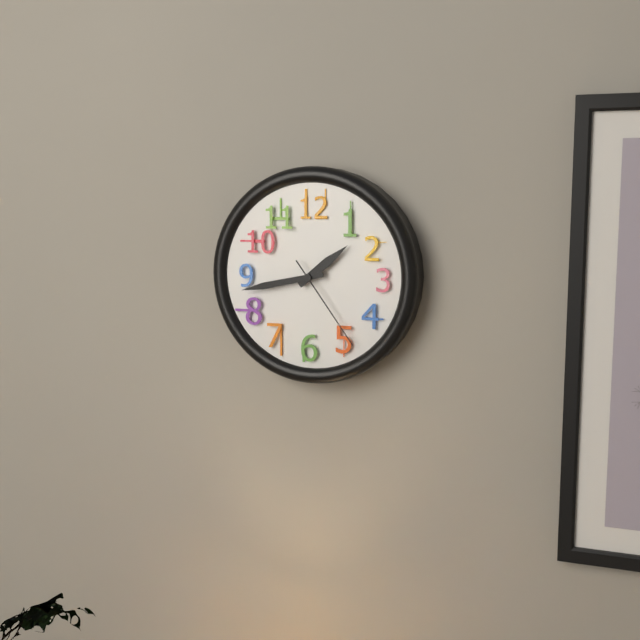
1h43m24s
